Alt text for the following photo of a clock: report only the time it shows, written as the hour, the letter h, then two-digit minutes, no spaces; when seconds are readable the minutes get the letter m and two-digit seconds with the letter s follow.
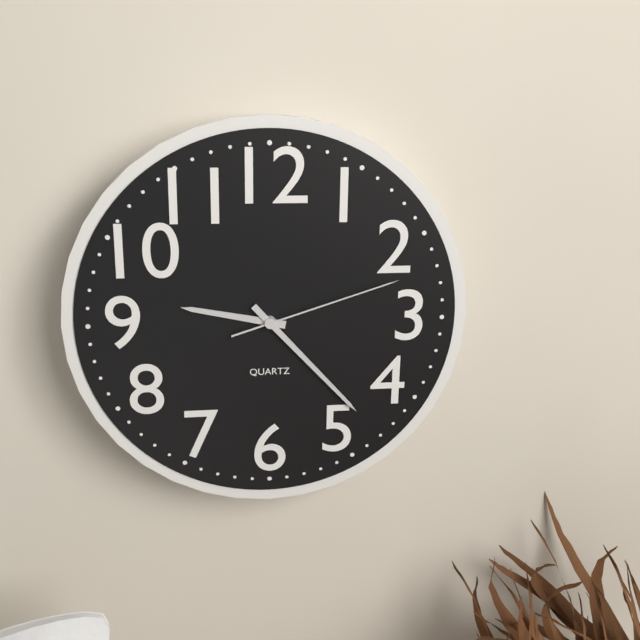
9h23m12s
